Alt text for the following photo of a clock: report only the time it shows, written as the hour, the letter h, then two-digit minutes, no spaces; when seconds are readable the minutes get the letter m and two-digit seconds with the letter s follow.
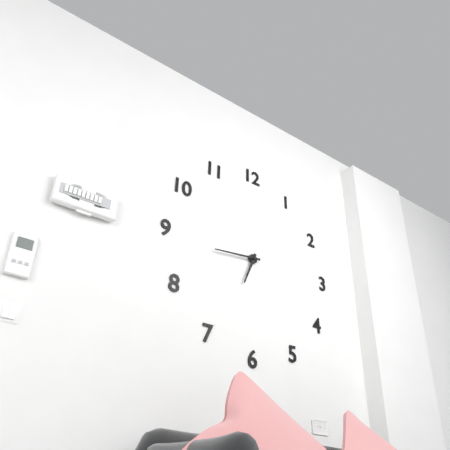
6h44
